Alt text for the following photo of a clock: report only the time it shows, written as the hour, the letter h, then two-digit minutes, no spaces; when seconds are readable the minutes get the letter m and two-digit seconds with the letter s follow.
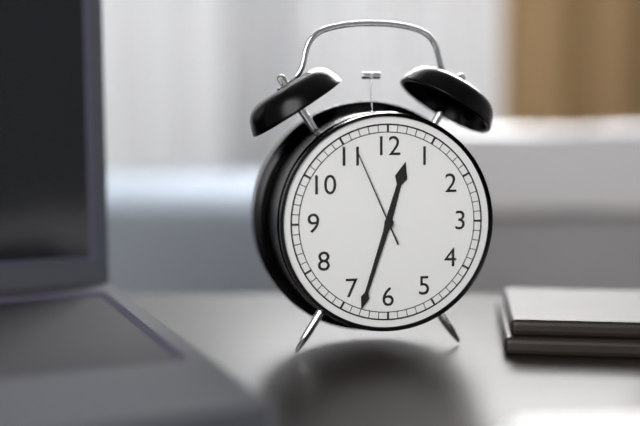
12h33m56s
